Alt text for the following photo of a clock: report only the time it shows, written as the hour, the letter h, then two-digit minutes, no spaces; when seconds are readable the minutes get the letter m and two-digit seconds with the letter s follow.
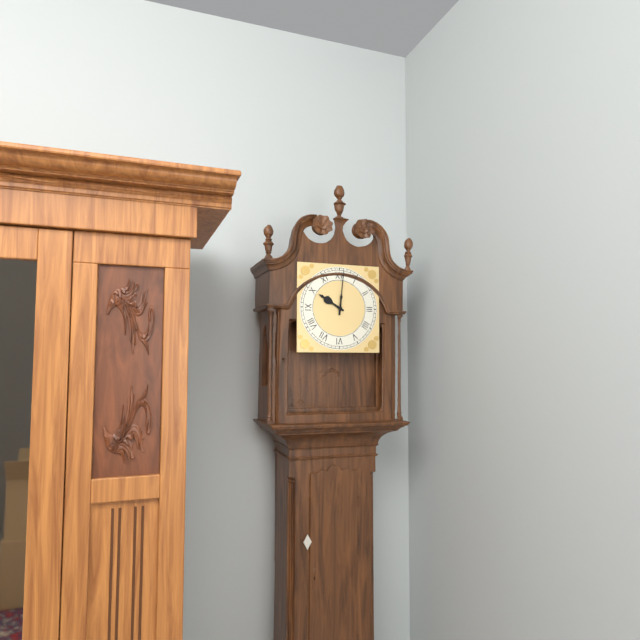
10h01
